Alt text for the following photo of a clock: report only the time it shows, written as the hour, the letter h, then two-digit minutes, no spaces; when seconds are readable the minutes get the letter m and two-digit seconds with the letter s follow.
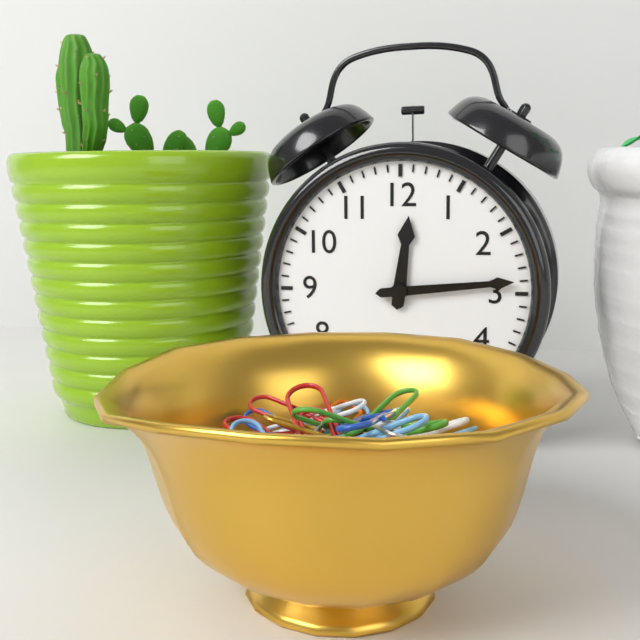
12h14
